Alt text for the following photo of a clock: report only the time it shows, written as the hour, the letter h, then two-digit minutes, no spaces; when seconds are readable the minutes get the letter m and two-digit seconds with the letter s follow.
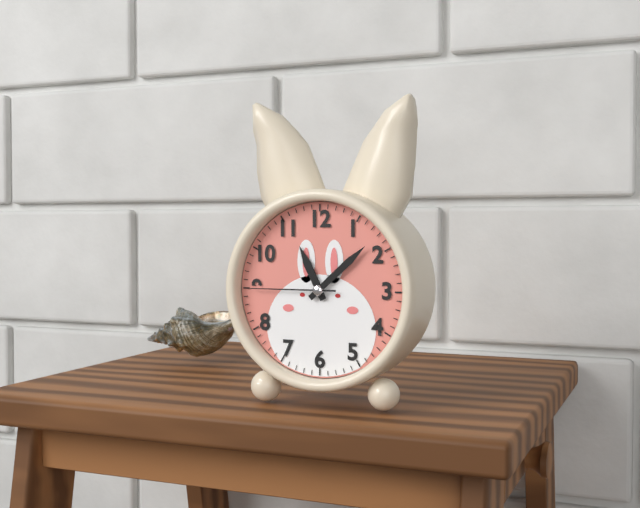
11h08m45s
